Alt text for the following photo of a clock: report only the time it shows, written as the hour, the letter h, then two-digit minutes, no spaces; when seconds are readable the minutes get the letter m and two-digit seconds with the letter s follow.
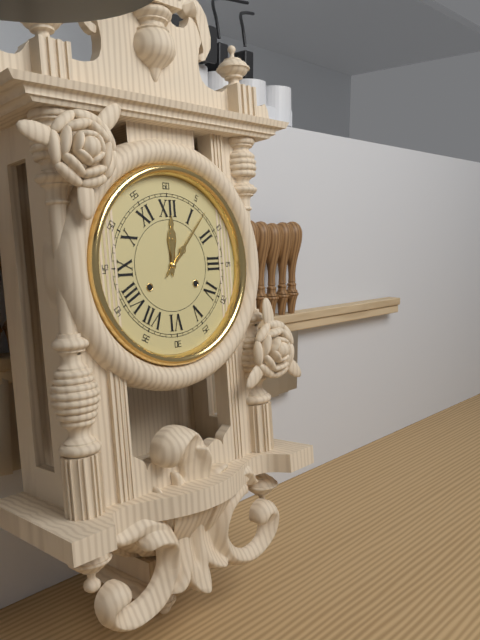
12h07
